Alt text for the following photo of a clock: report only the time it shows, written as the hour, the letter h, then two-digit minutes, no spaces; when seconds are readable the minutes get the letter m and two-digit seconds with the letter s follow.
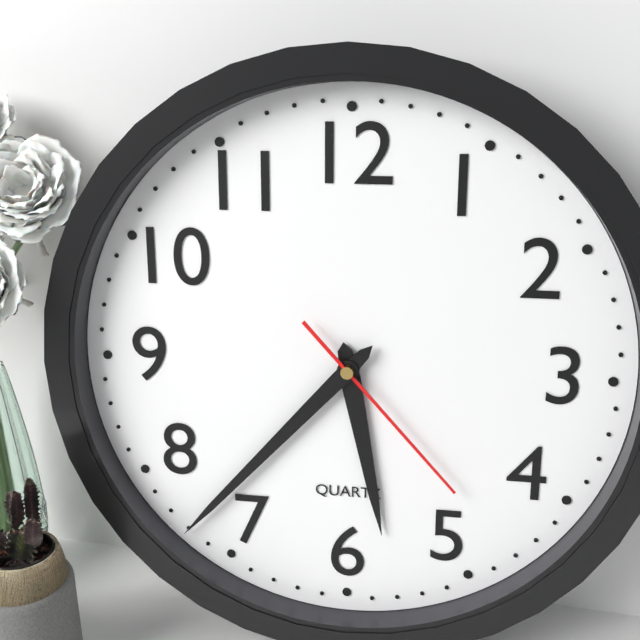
5h37m23s
